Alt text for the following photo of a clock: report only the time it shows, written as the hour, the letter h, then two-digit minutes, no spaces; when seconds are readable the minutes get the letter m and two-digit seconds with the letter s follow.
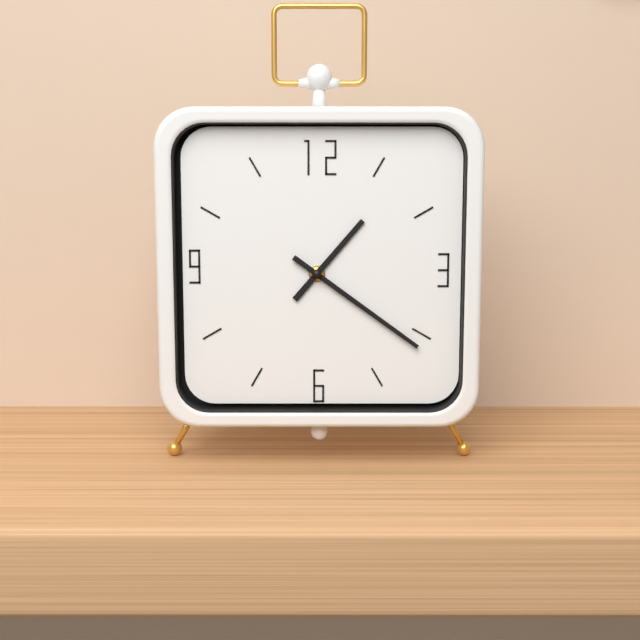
1h21
